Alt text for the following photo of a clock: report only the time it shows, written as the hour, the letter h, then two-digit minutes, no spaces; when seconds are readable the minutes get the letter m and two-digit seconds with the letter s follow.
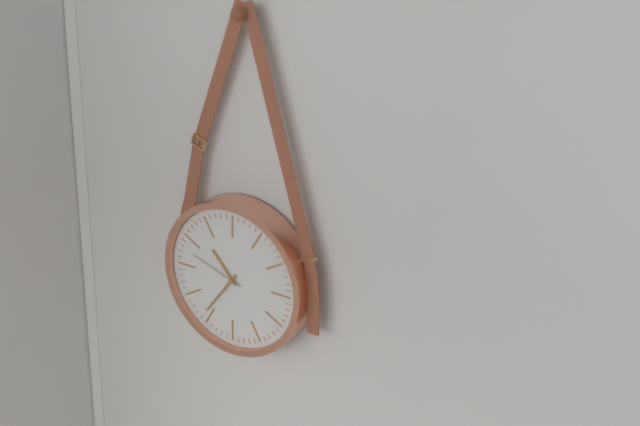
10h36m48s
